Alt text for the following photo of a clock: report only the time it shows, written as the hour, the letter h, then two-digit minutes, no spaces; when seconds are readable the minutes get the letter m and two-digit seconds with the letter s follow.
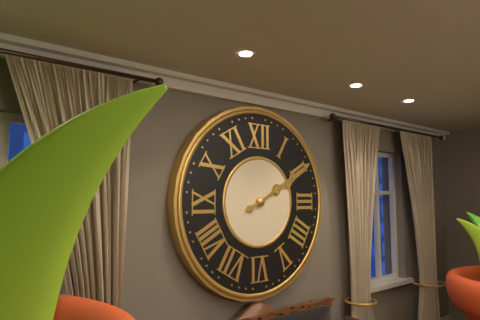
2h10
